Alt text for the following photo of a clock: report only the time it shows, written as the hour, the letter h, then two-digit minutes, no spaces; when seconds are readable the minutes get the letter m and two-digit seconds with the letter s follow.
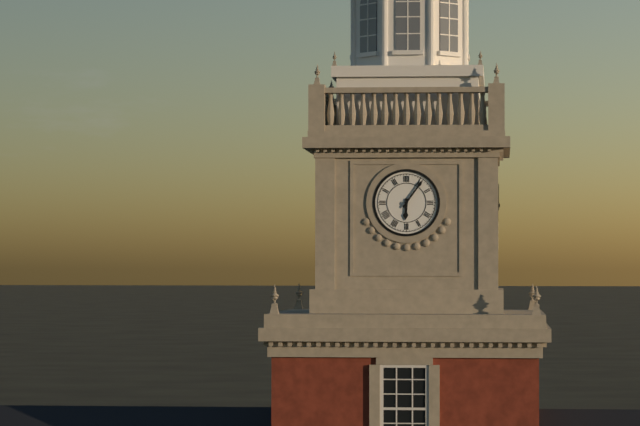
6h06
